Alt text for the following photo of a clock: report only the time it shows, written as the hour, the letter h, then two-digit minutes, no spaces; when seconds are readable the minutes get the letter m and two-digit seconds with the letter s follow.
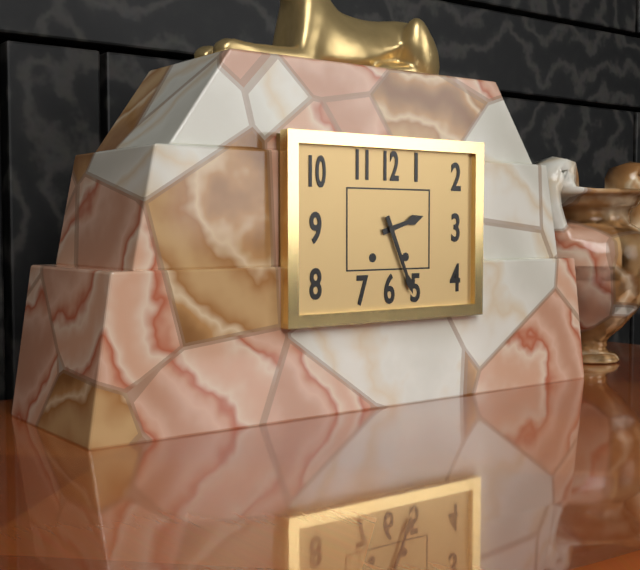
2h26
